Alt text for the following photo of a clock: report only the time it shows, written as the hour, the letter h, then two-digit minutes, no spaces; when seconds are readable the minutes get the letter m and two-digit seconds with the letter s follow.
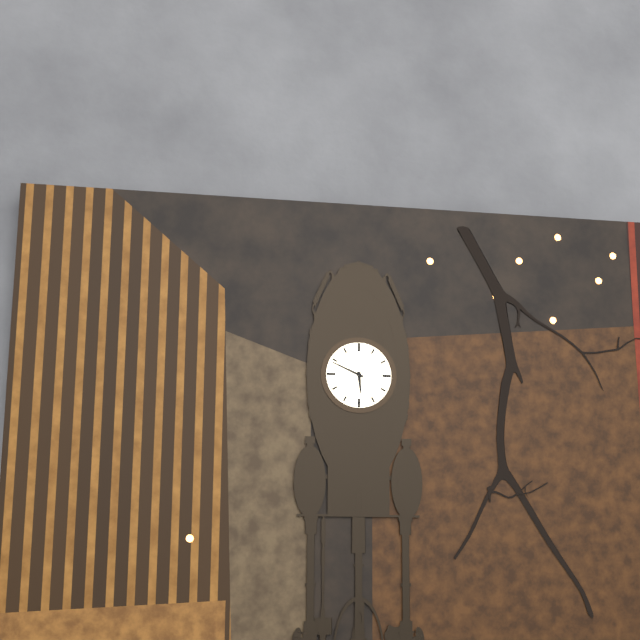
5h49
